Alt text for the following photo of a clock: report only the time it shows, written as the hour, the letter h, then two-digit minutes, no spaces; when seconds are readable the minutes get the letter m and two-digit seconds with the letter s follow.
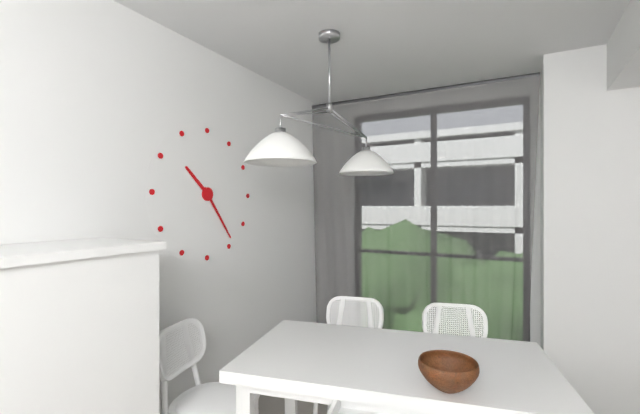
10h24
